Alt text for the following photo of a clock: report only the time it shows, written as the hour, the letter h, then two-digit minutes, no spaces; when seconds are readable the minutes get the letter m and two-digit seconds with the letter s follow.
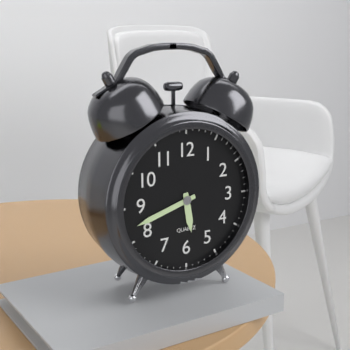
5h42
